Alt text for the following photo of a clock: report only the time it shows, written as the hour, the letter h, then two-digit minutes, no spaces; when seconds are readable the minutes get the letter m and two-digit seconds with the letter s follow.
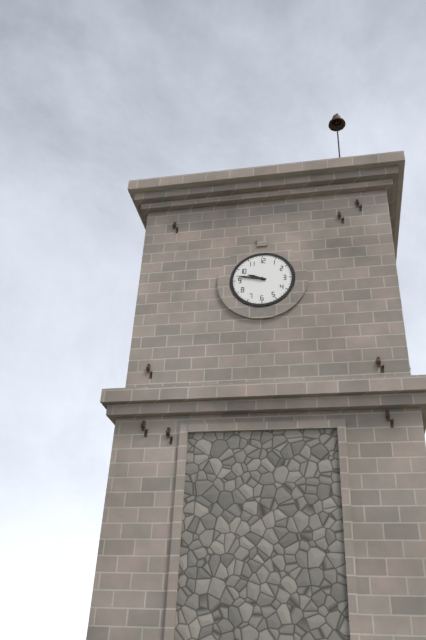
9h47
